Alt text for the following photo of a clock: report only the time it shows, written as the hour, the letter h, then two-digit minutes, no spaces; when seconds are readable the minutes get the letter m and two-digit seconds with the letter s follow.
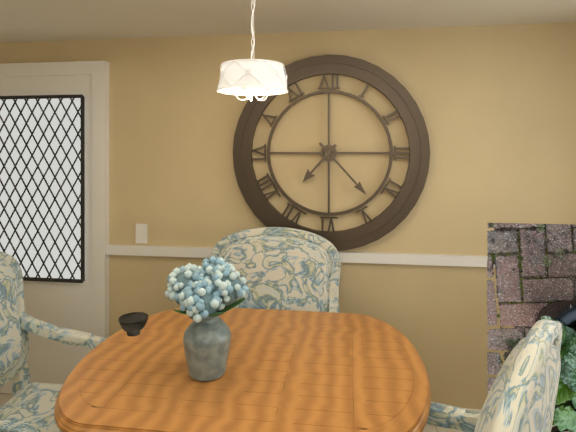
7h23
